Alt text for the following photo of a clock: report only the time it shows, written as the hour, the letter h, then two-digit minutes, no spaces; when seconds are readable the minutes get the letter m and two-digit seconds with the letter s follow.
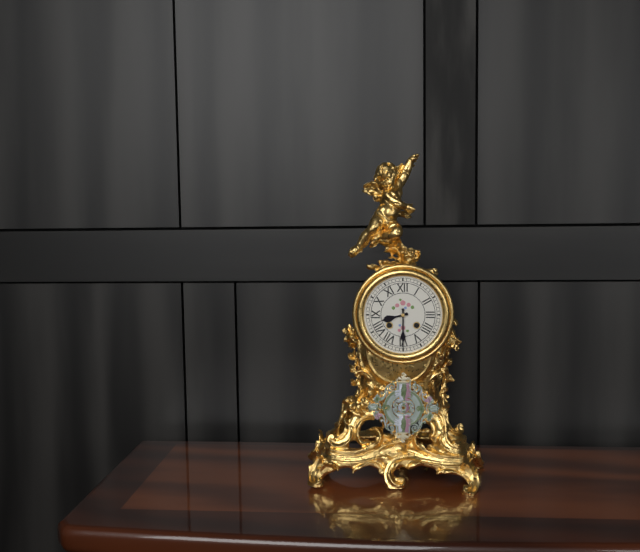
8h30
